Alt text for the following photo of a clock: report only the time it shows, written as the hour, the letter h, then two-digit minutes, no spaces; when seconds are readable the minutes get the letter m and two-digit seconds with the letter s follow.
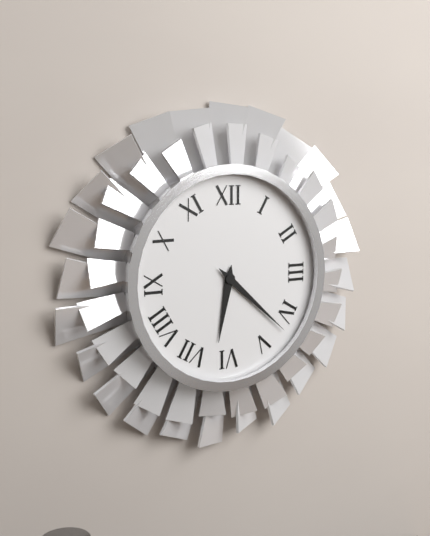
6h22
